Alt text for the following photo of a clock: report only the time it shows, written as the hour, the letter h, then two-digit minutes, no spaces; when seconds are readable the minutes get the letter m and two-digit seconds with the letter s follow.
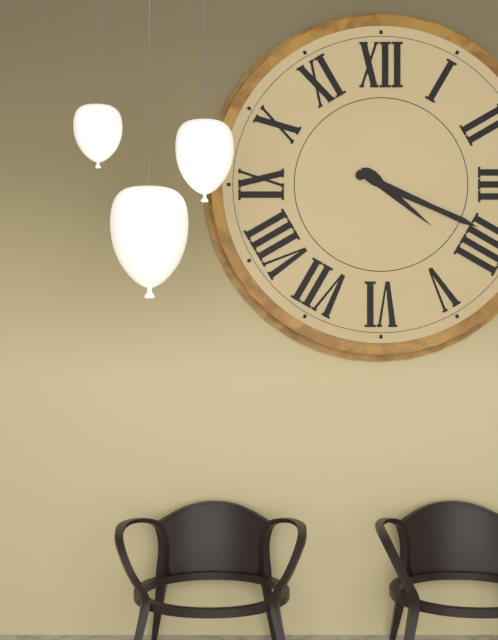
4h19
